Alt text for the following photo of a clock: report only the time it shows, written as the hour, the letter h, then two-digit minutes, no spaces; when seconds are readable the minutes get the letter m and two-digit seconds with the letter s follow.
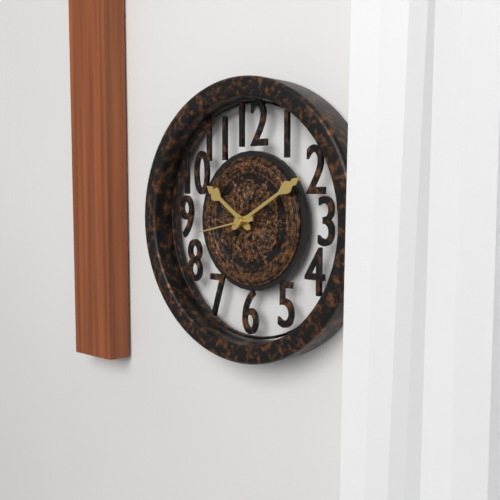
10h10m43s
